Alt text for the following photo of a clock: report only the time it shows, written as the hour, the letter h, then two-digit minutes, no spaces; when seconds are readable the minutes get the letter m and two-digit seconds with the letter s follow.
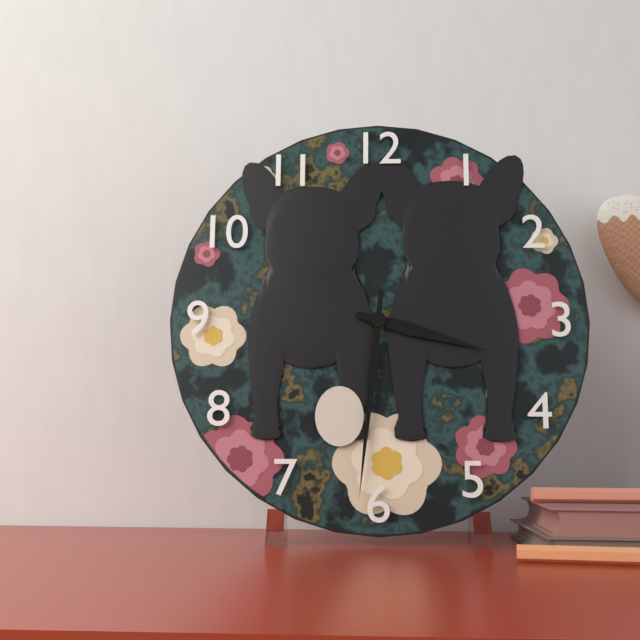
3h31
